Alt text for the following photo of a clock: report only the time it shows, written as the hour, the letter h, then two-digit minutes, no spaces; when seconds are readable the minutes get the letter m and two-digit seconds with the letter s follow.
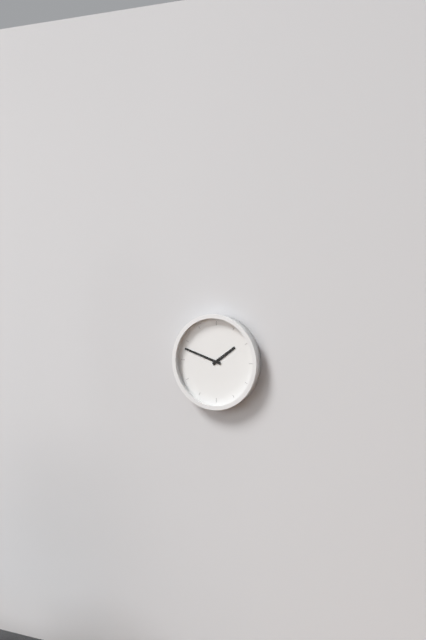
1h48
